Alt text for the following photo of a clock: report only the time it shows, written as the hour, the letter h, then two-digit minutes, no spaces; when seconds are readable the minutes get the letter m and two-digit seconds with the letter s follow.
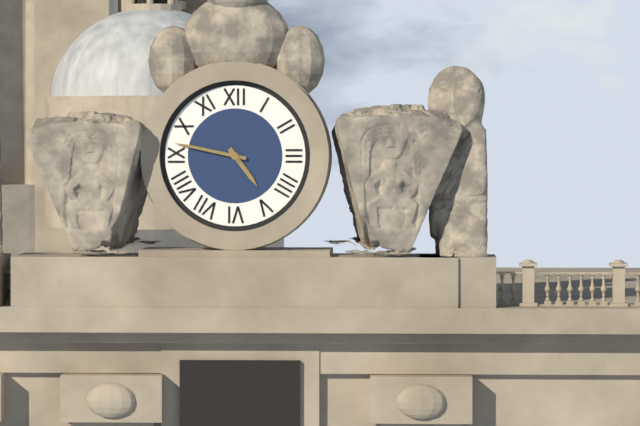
4h47
